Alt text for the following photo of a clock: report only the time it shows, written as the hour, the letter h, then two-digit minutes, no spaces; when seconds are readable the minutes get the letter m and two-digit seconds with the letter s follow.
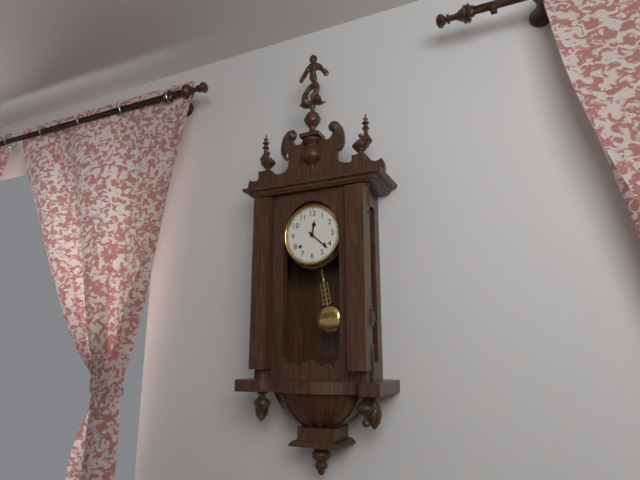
12h22
